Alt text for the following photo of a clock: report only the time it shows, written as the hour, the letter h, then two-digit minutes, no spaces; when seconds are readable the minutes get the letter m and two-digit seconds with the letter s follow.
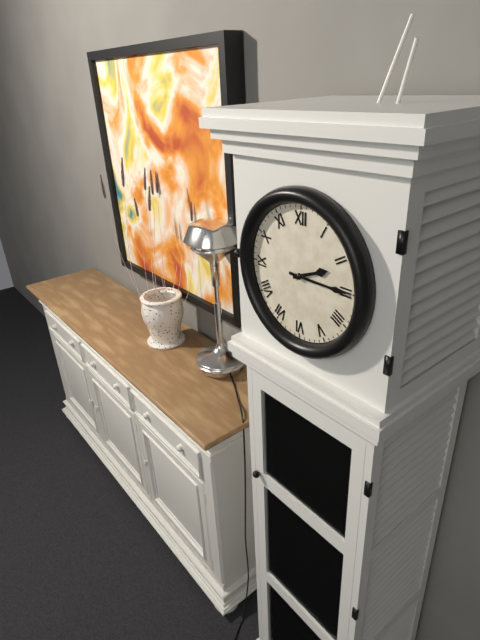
2h15
